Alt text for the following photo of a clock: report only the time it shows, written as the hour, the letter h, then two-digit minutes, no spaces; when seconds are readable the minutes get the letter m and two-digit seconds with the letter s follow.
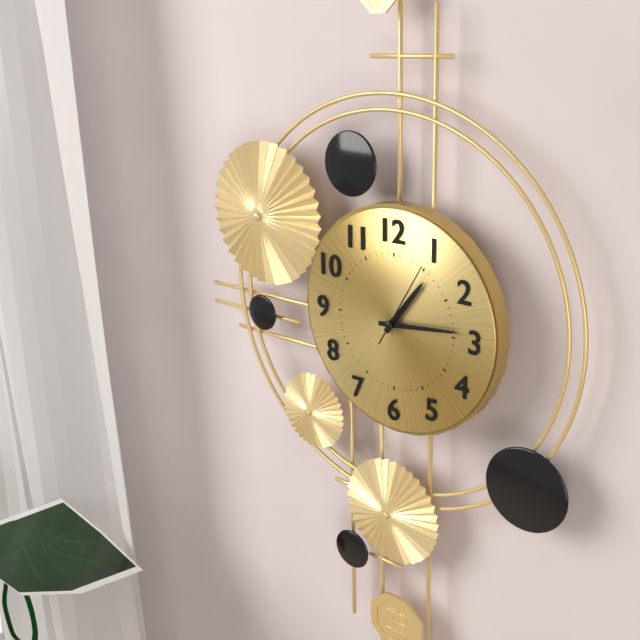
1h14m05s
